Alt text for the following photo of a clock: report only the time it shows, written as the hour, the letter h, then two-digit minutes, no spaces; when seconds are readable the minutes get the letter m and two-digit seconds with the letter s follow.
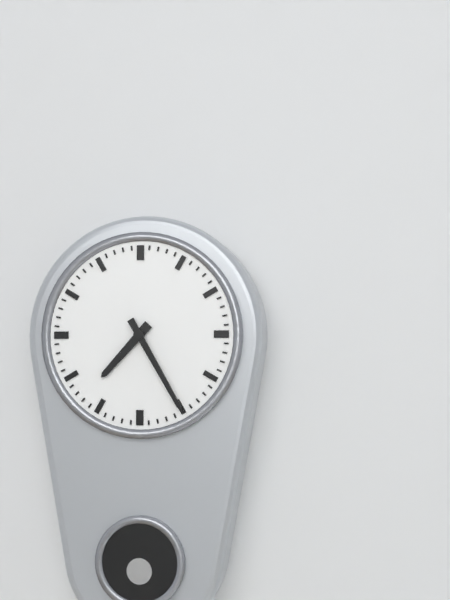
7h25
